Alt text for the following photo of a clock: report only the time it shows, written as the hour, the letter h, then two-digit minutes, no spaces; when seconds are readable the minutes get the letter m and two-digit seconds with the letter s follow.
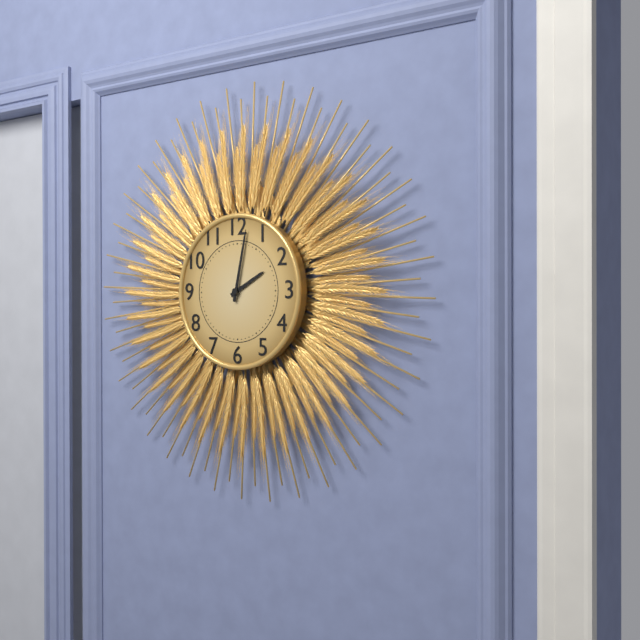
2h02
